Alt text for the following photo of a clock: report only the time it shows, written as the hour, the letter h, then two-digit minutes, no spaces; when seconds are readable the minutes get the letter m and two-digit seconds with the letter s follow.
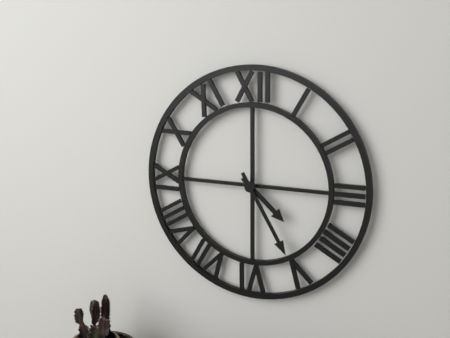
4h25
